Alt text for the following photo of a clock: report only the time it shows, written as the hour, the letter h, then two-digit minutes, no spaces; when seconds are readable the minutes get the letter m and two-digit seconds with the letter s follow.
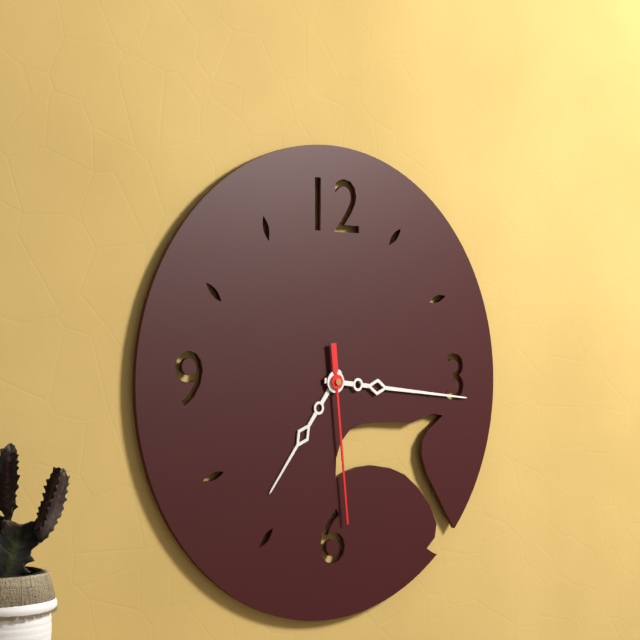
7h16m29s
